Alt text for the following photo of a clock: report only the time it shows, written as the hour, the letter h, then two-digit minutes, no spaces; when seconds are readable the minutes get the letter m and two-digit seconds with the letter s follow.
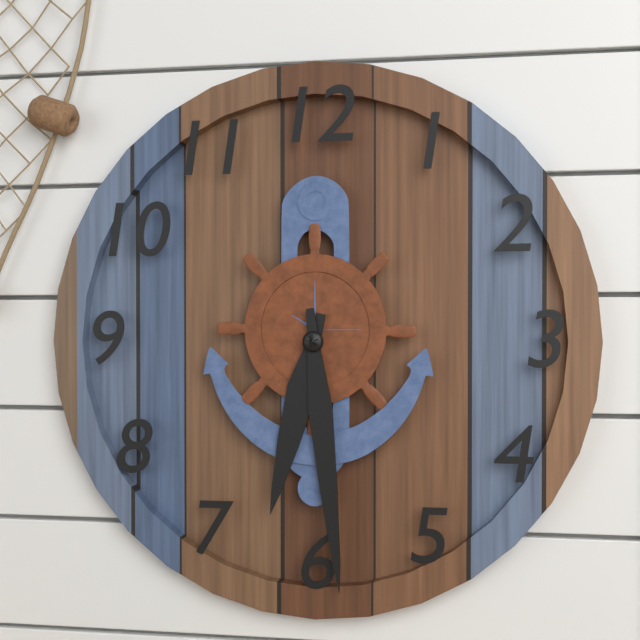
6h29
